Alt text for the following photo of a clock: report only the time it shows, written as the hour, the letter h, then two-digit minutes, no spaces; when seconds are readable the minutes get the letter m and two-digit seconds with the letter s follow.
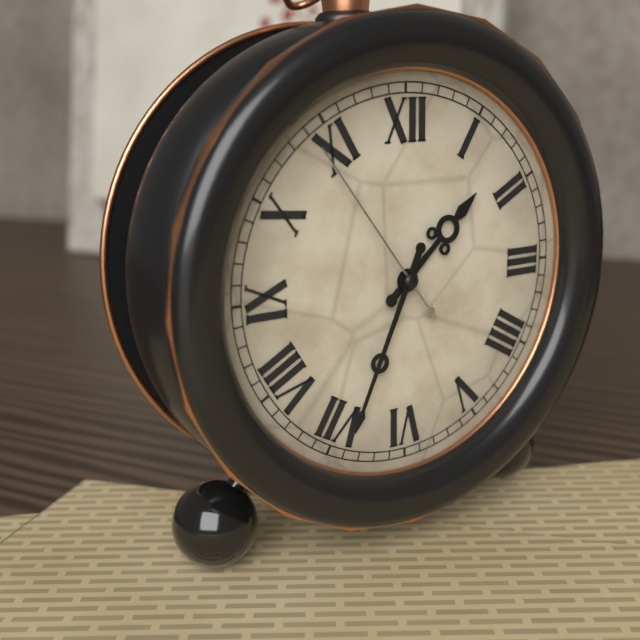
1h34m54s
